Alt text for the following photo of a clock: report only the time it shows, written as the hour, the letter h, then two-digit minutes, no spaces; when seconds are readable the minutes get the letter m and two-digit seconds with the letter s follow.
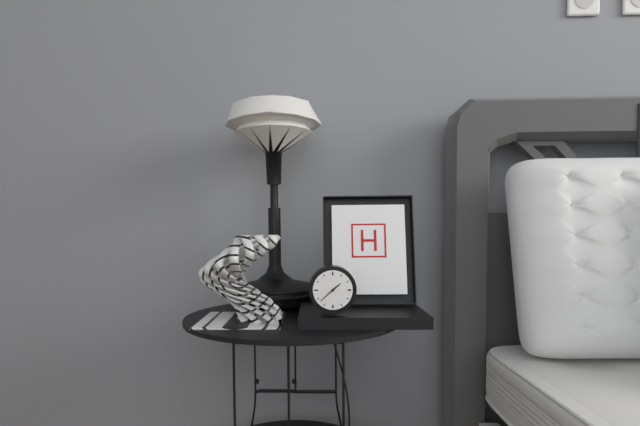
1h38
